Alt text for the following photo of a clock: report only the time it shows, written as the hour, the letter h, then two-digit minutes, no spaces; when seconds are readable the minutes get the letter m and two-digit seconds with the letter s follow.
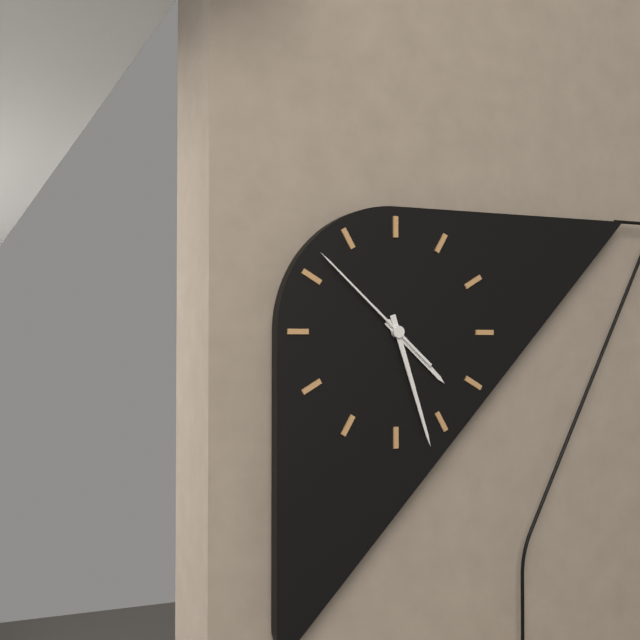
4h27m52s
